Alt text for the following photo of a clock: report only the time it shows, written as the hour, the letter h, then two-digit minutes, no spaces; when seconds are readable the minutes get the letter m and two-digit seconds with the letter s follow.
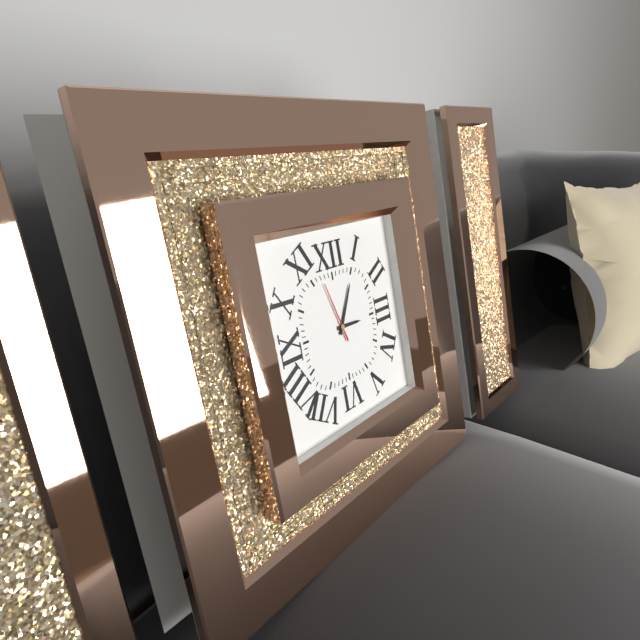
3h05m57s
